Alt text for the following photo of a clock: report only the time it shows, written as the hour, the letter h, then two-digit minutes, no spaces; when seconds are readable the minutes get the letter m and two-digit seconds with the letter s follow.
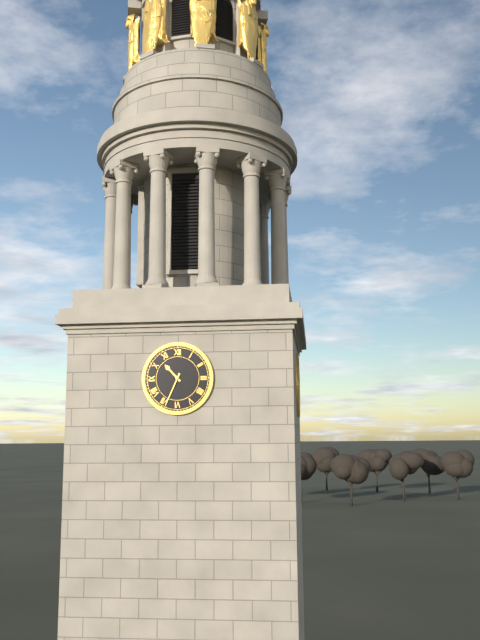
10h34
